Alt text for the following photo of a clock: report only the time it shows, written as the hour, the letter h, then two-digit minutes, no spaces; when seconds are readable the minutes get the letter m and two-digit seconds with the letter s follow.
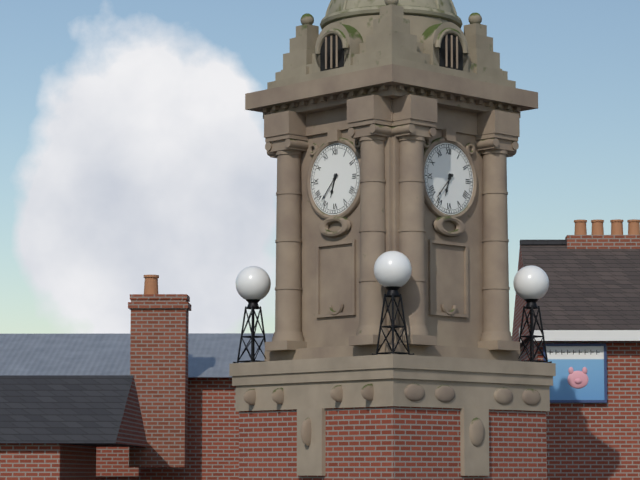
6h37
